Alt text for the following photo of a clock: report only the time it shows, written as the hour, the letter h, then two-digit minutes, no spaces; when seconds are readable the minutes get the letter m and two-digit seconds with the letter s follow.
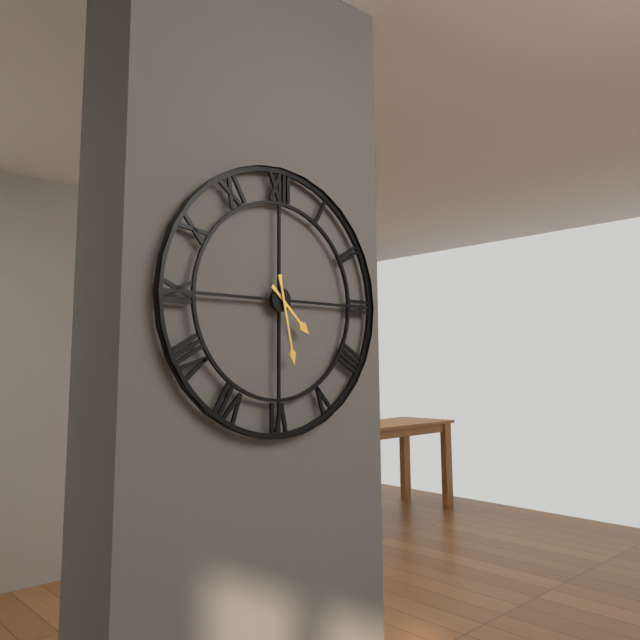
4h28
